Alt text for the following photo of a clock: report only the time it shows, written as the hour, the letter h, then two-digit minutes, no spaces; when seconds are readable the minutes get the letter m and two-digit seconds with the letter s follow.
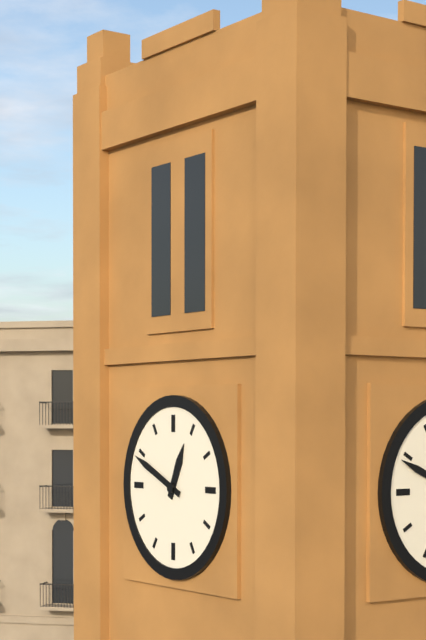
12h49
